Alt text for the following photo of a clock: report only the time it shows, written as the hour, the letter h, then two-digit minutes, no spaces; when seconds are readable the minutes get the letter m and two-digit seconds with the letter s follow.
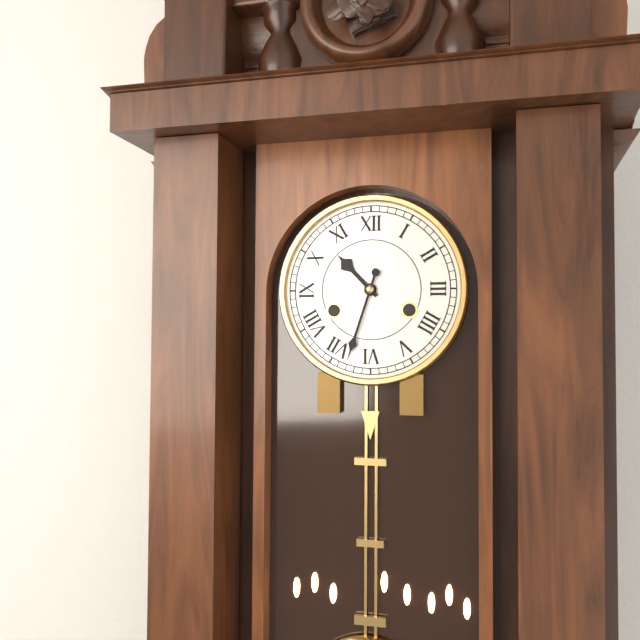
10h33
